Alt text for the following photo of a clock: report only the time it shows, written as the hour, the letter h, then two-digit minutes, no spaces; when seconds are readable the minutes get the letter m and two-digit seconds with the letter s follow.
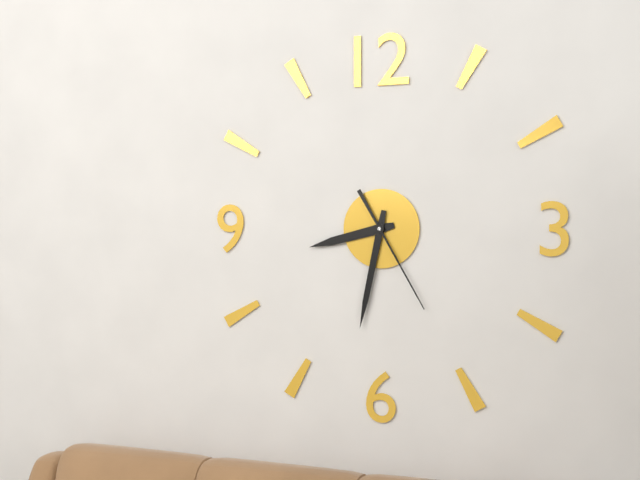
8h32m25s
